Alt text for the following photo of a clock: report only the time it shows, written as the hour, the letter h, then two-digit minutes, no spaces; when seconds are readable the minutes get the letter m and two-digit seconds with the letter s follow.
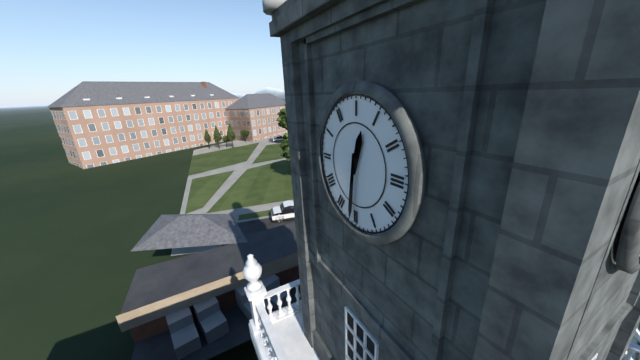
12h31
